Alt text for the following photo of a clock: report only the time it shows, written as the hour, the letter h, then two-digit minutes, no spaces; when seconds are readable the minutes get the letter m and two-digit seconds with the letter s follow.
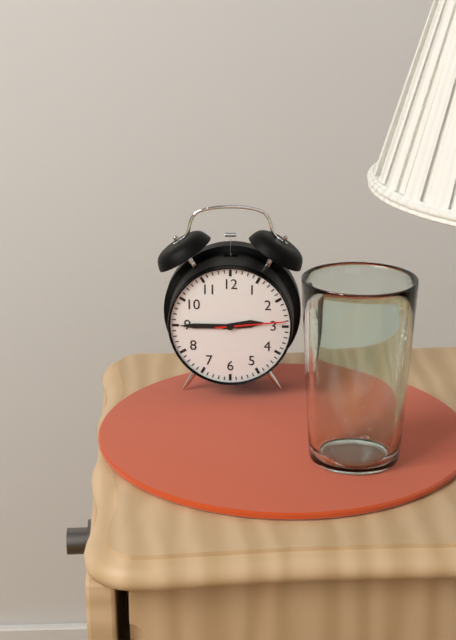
2h45m14s
